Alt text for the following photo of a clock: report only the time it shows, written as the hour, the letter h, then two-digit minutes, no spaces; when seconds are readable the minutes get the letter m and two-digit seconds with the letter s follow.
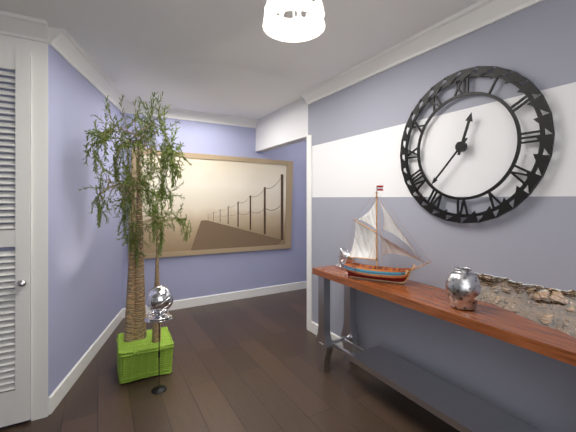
12h37
